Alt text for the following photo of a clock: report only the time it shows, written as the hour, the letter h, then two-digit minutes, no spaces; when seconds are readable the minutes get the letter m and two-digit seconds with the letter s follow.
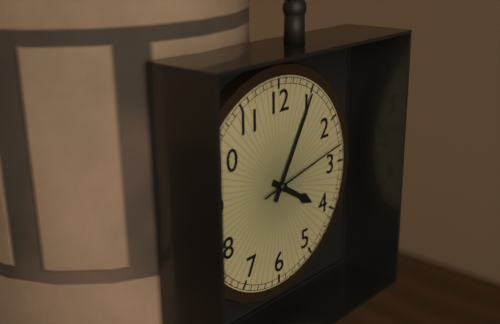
4h05m13s
